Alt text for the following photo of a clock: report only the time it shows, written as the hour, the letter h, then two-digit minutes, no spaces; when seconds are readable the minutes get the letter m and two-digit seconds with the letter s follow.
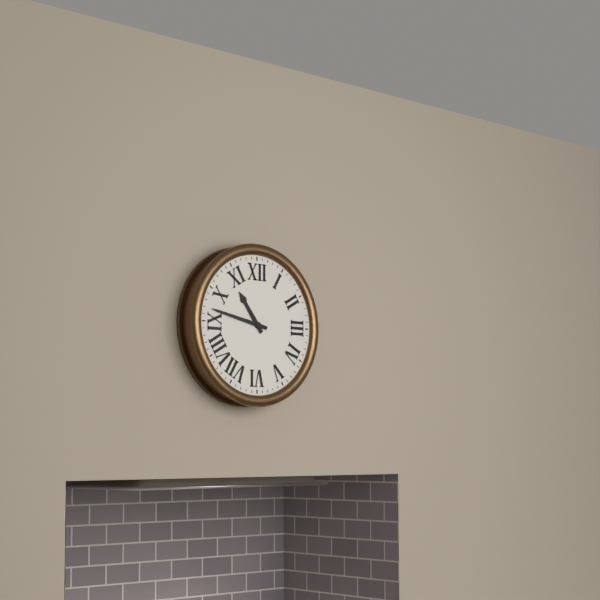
10h47
